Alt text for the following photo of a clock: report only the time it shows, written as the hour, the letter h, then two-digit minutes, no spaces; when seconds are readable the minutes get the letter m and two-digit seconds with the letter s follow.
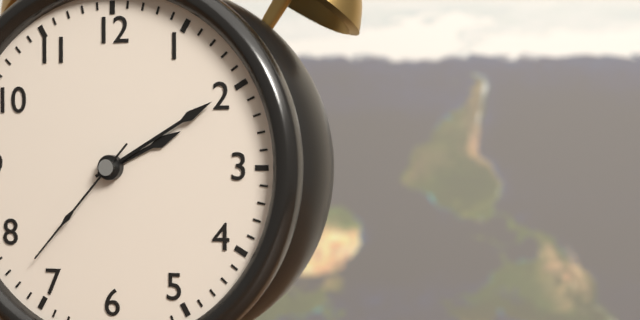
2h10m37s
